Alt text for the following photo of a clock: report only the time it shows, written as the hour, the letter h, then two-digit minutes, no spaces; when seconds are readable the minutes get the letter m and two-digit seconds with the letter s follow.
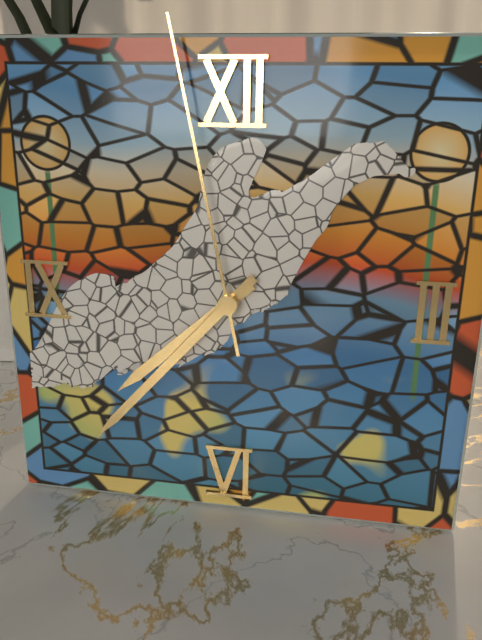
7h37m58s
